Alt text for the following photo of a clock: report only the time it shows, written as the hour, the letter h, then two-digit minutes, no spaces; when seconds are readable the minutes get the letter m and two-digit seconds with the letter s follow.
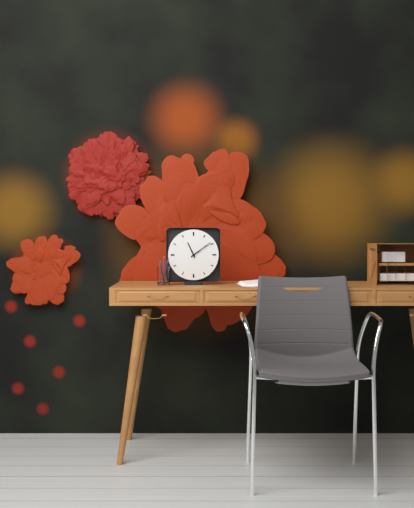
11h09
